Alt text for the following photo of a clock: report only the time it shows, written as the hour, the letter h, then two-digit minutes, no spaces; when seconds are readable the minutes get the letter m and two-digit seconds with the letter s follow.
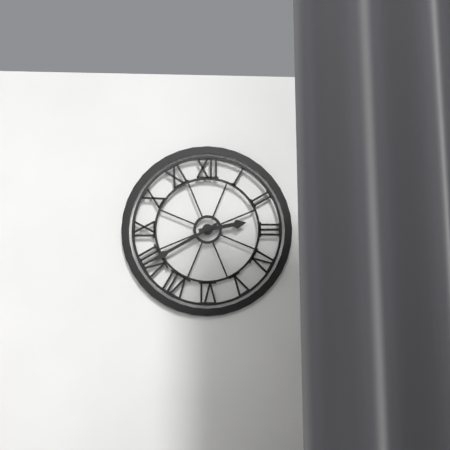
2h40
